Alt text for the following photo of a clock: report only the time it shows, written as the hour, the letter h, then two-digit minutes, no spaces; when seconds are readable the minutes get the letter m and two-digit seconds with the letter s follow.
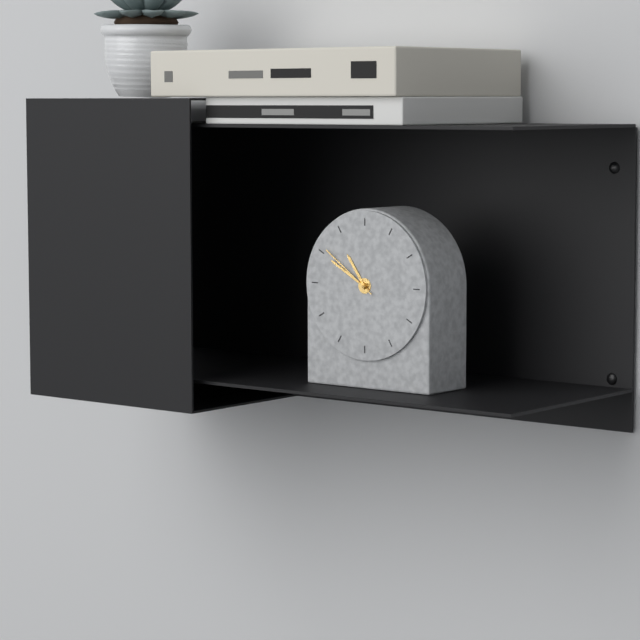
10h50m51s
